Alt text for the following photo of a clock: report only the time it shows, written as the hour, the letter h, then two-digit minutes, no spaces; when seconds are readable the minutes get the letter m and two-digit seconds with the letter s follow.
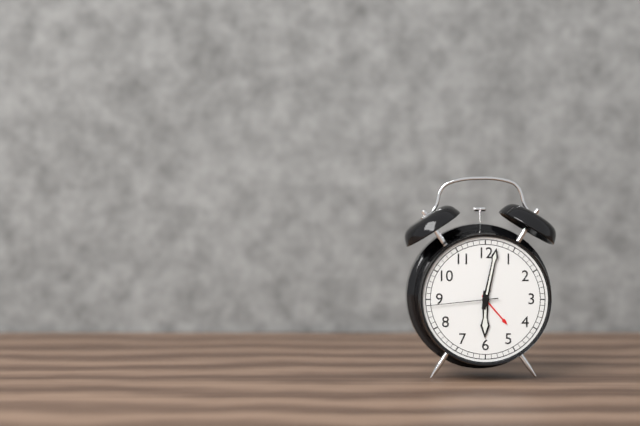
6h02m44s
